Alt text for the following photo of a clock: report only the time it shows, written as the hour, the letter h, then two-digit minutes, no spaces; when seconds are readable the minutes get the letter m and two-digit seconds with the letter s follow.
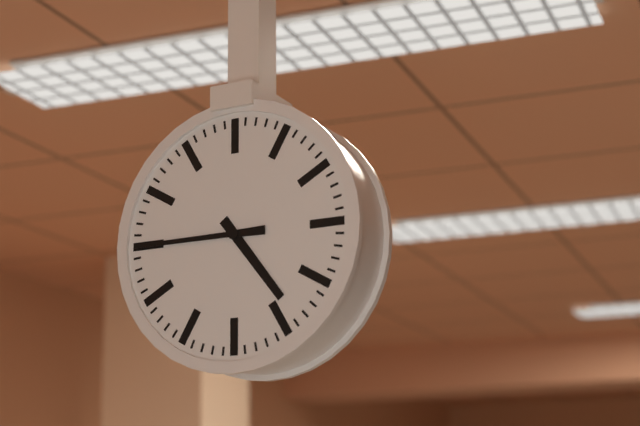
4h45
